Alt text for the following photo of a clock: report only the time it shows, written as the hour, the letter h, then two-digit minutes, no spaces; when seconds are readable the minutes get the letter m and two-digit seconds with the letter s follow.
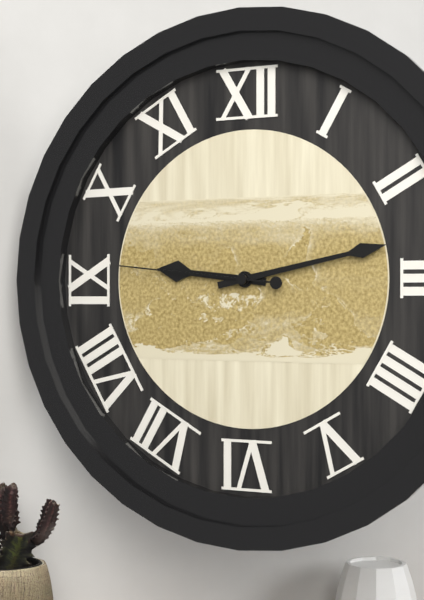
9h13m46s
